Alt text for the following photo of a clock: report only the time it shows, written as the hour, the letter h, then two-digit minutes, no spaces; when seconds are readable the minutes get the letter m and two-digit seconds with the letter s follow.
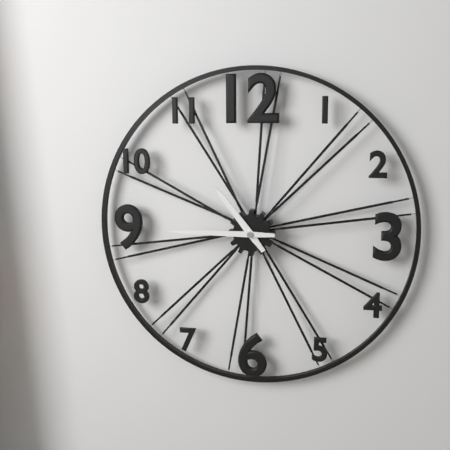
10h45
